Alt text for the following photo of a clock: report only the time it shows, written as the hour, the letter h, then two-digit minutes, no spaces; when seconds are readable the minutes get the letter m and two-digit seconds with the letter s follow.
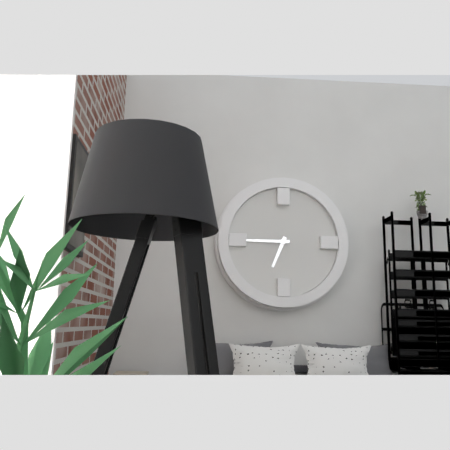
6h45
